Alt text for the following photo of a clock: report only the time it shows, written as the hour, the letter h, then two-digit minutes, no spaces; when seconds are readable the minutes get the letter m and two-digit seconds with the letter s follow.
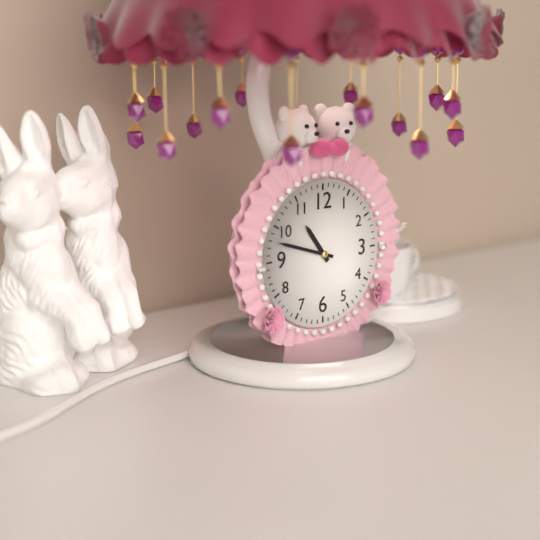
10h48
